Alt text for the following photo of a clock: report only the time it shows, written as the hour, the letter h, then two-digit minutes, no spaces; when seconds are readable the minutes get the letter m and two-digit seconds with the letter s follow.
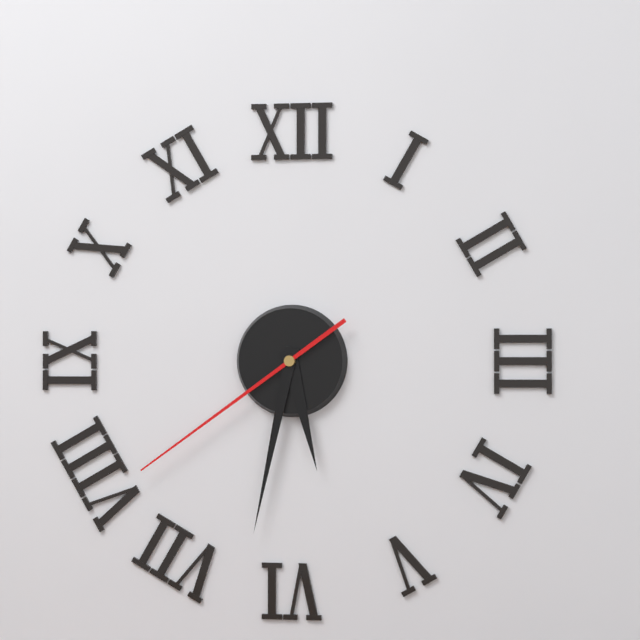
5h32m39s
